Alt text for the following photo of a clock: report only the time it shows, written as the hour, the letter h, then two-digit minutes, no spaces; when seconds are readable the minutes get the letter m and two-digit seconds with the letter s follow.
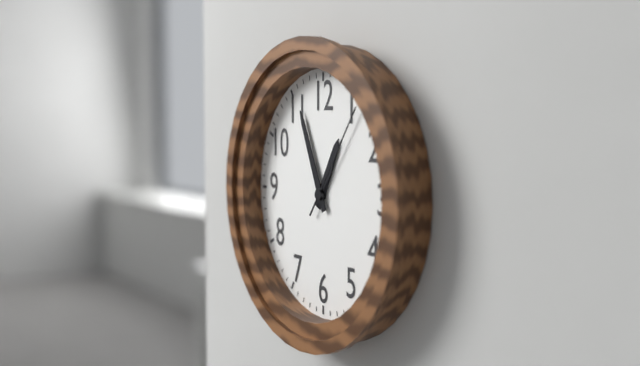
12h56m06s
